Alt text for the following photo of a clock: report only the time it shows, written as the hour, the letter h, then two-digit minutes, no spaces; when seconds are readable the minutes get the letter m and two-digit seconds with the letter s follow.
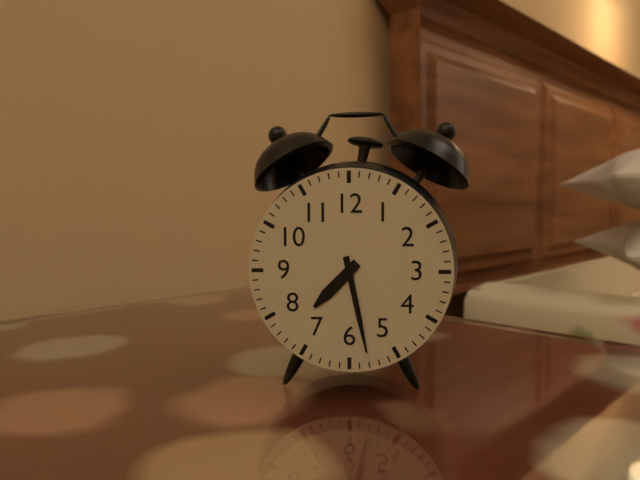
7h28
